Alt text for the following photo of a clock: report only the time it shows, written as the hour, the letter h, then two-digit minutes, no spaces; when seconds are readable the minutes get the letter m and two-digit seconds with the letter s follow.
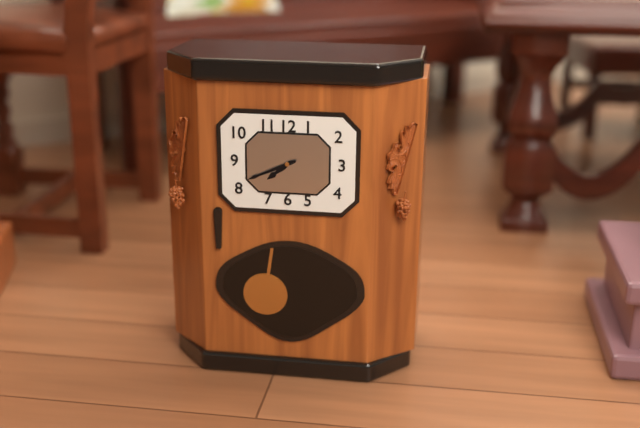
7h41
